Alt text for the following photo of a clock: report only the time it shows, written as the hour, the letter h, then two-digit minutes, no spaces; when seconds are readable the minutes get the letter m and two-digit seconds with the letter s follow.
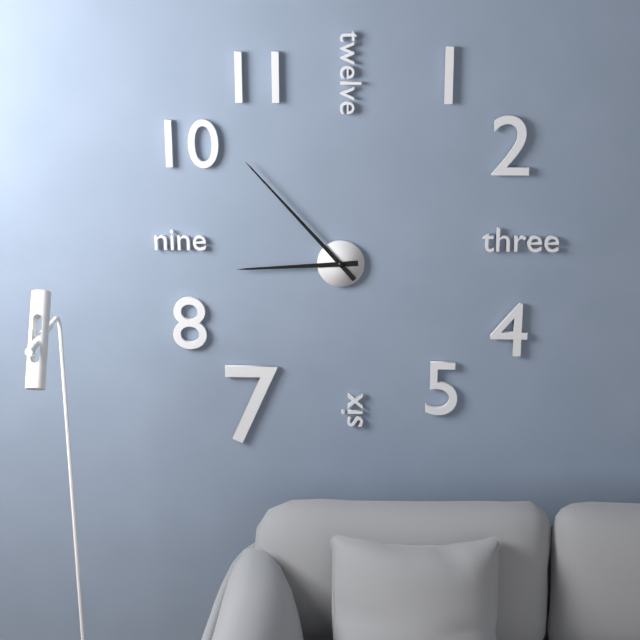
8h53
